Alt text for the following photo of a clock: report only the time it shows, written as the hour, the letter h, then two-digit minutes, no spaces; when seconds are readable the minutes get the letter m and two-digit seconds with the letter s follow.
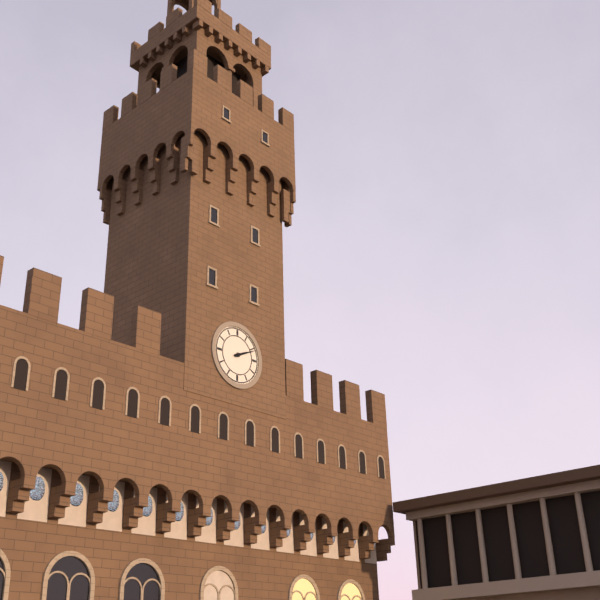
2h11
